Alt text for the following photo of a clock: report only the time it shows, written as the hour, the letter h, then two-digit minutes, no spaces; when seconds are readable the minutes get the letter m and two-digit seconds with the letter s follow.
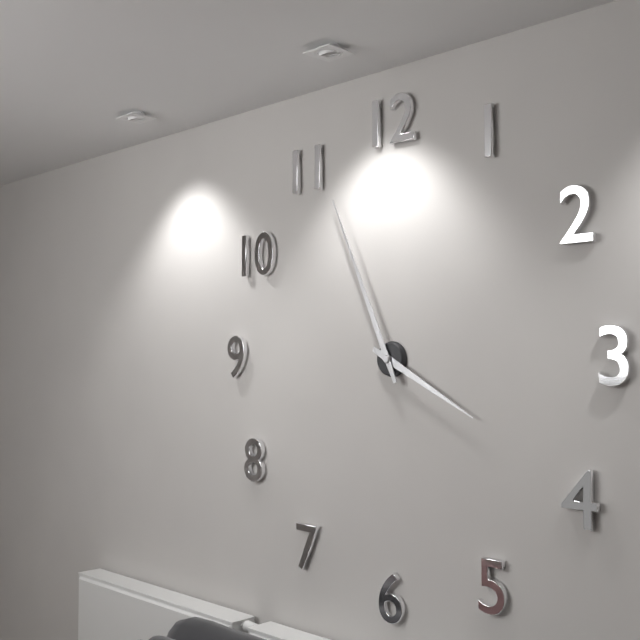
3h56
